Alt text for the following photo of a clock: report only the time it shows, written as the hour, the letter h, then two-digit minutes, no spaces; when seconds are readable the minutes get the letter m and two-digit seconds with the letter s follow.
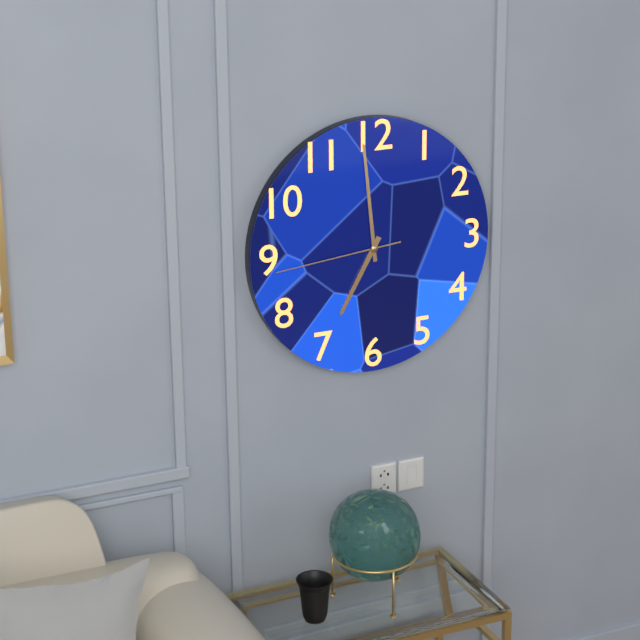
6h59m44s
